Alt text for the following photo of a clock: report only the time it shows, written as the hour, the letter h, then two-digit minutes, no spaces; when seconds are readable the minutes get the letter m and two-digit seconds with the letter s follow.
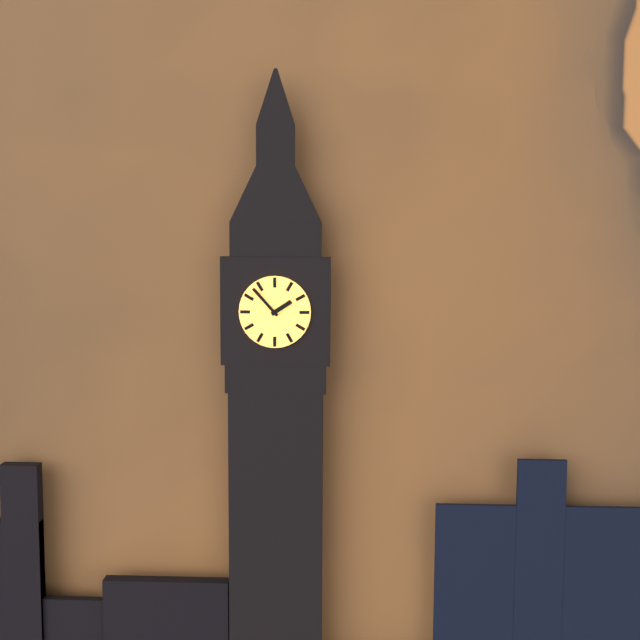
1h53
